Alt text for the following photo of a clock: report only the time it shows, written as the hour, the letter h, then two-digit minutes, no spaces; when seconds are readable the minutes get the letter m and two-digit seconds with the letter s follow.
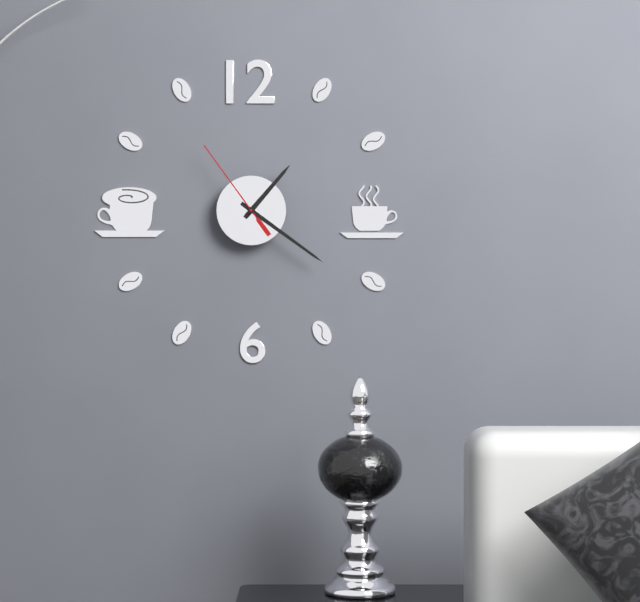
1h21m54s
